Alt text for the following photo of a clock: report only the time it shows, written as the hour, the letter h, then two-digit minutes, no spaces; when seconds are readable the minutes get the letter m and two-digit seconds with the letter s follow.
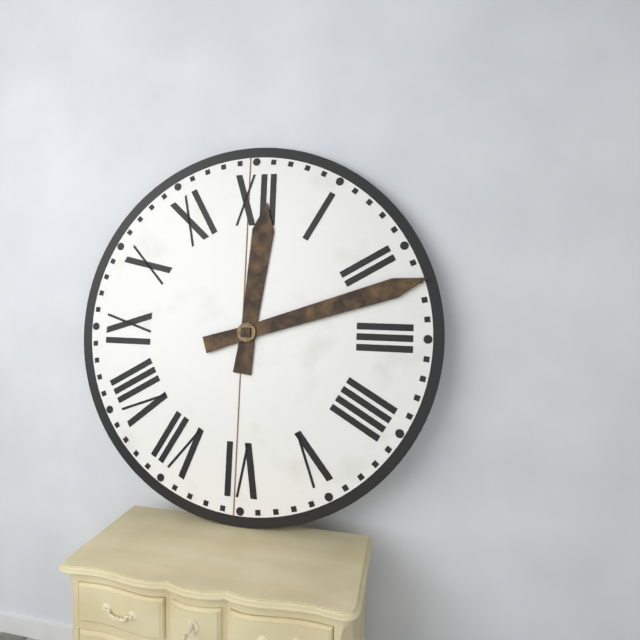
12h12
